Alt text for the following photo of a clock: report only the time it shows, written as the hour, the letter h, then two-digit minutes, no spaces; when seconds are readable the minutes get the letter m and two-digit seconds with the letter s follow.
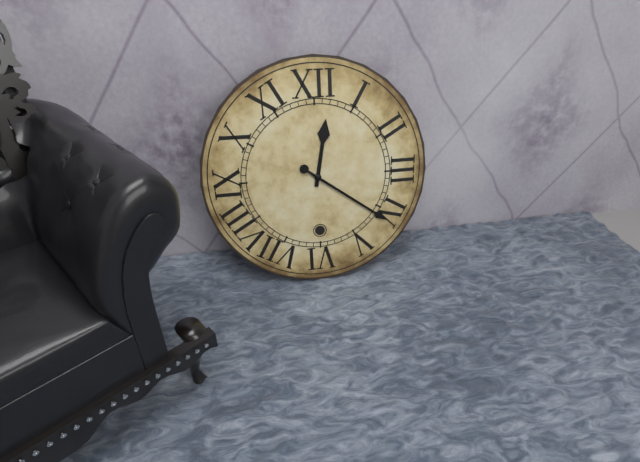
12h21
